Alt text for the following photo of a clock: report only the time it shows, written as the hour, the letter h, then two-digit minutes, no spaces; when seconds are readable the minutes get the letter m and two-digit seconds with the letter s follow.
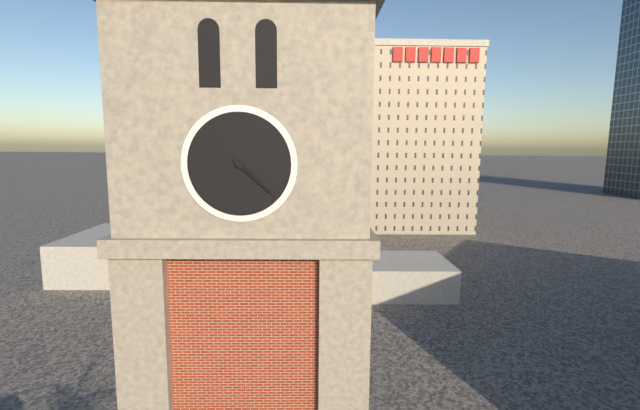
4h22
